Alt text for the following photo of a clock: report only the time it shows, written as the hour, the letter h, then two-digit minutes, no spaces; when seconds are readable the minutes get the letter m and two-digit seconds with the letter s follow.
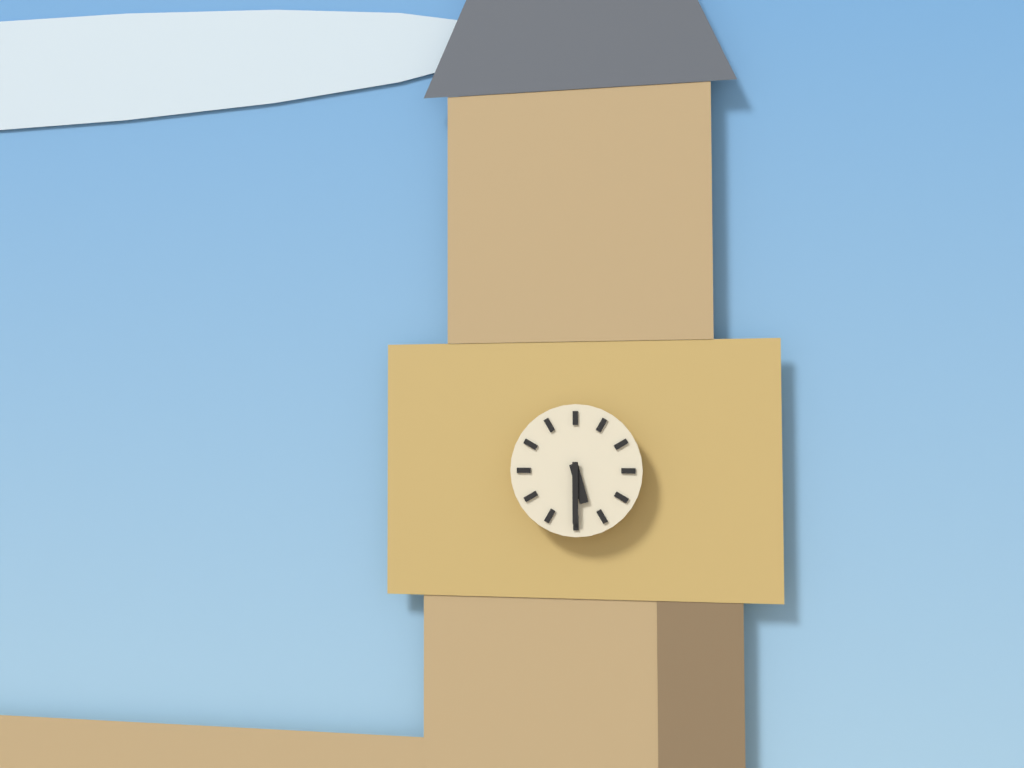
5h30
